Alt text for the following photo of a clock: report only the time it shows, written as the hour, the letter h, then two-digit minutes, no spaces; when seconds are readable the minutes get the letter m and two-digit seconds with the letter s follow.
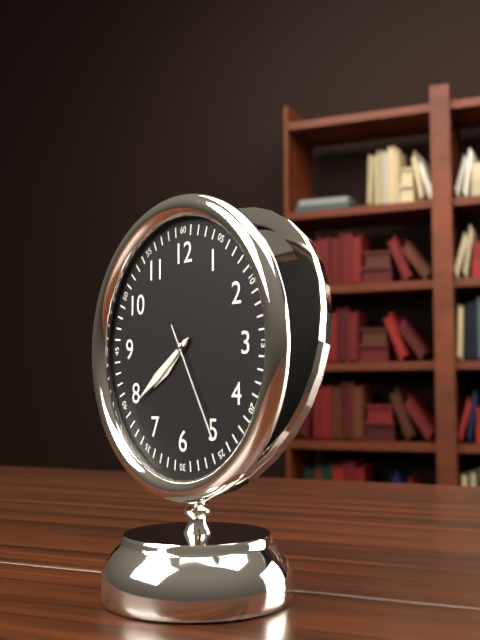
7h39m25s
